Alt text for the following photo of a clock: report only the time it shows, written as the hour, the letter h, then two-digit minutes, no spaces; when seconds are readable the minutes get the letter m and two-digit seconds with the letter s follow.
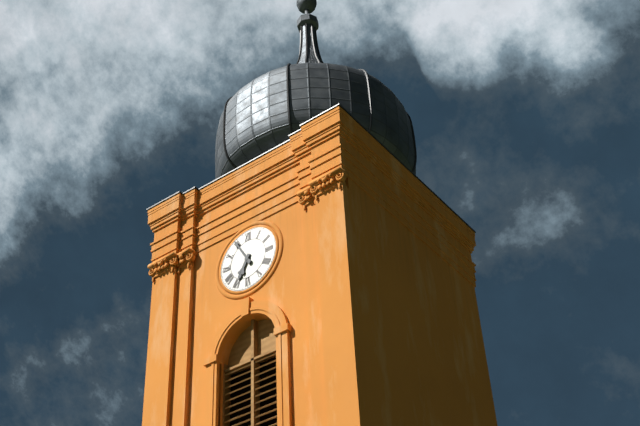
6h55
